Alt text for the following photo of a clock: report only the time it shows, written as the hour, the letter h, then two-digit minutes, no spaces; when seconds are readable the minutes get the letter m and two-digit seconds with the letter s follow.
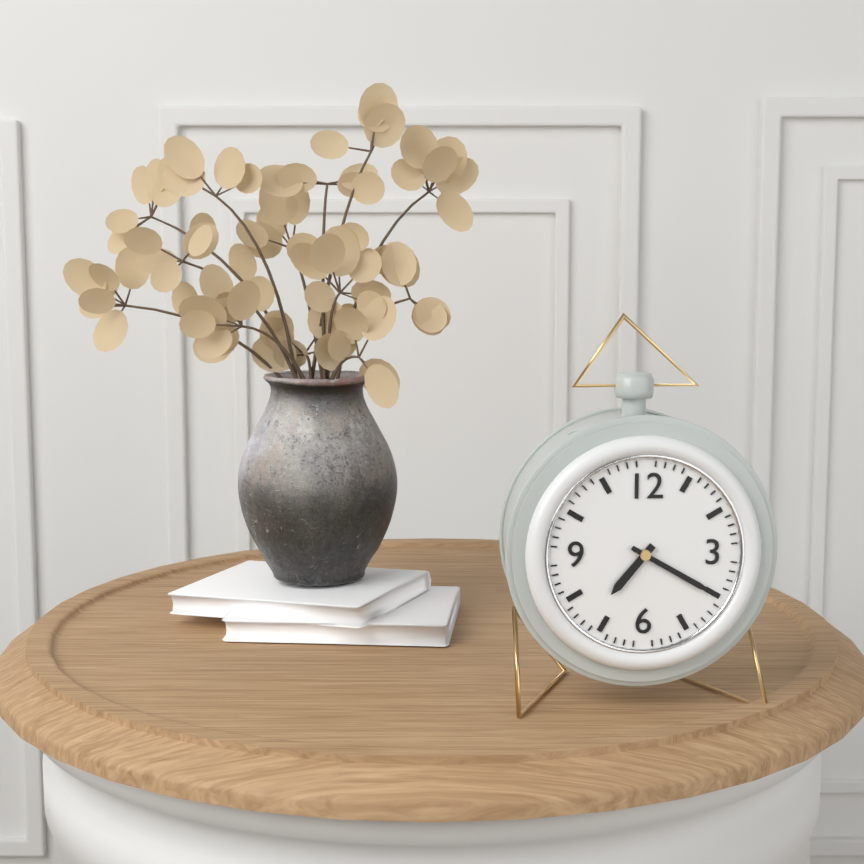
7h20
